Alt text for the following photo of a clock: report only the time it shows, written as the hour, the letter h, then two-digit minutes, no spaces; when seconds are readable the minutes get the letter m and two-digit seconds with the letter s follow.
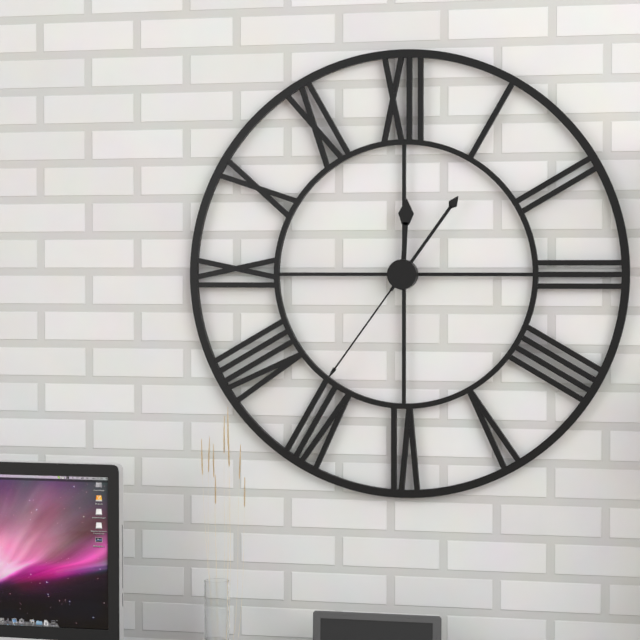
12h06m36s
